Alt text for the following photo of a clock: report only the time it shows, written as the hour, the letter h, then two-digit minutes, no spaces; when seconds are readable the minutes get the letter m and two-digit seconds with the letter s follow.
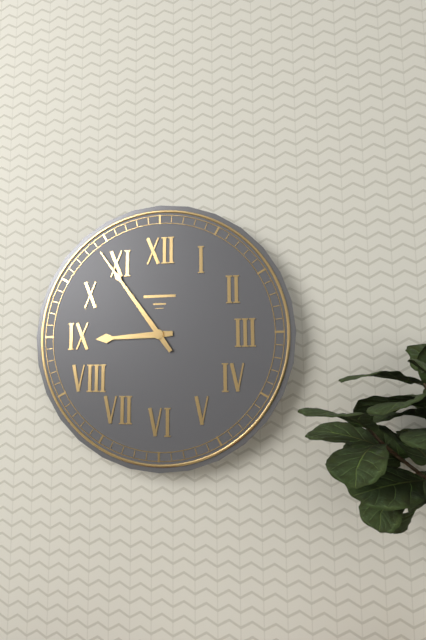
8h54
